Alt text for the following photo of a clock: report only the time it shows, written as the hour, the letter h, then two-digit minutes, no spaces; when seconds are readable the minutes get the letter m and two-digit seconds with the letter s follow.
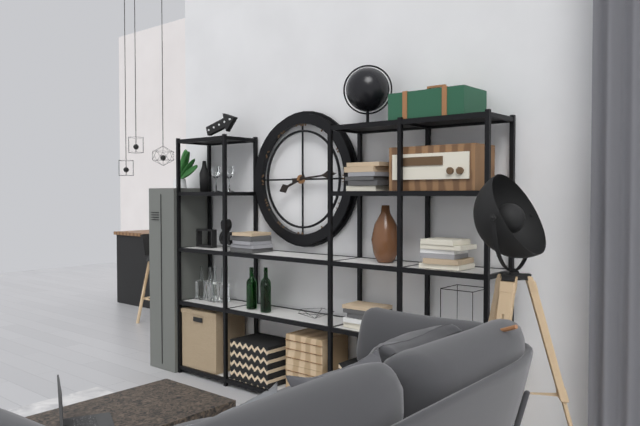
8h14
